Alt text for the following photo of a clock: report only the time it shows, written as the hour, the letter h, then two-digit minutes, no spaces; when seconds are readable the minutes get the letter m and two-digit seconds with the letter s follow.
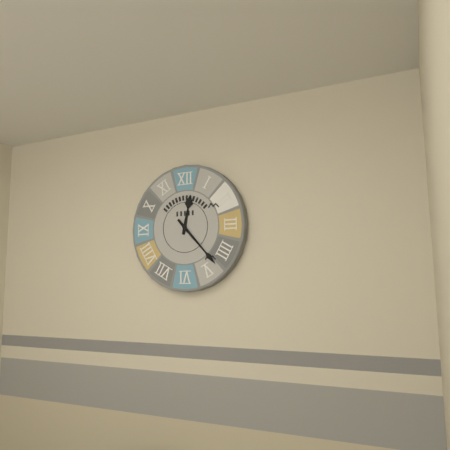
12h23
